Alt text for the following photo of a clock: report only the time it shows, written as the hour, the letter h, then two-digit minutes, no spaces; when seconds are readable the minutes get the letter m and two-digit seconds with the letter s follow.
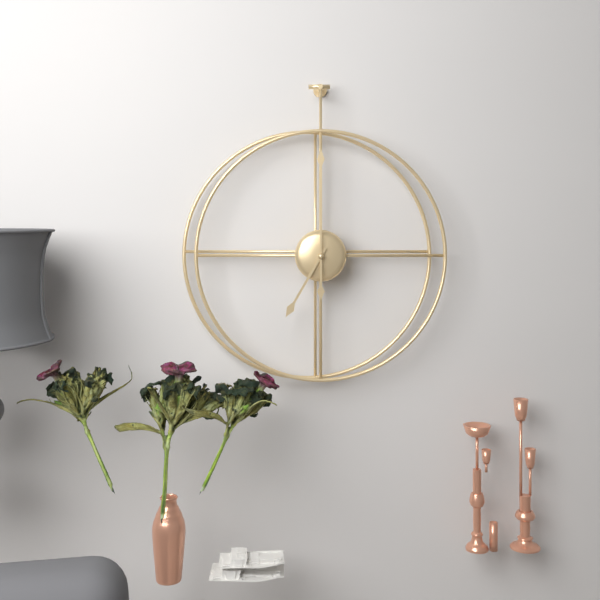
7h00
